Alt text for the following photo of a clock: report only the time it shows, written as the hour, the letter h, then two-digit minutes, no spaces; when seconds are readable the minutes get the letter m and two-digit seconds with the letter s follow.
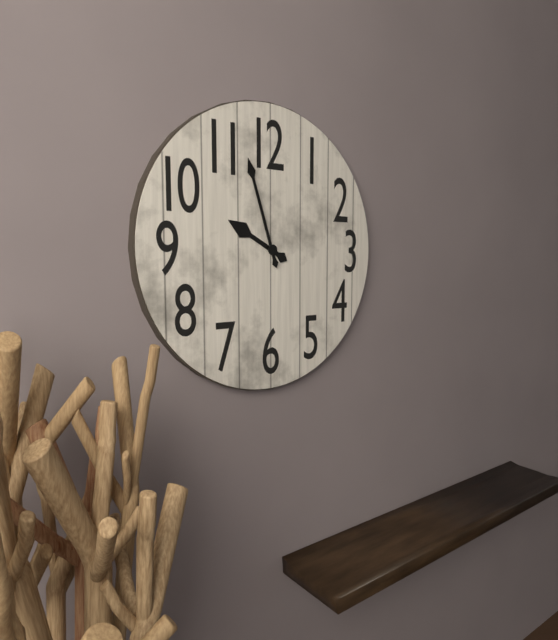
9h57
